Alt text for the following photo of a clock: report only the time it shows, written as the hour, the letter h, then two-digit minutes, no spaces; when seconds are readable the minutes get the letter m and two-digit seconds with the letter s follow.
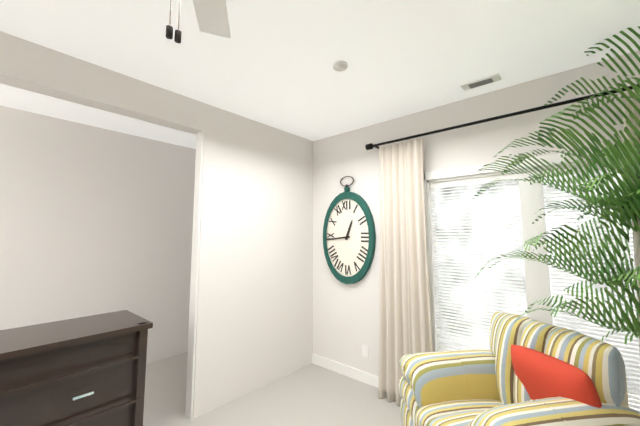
12h44
